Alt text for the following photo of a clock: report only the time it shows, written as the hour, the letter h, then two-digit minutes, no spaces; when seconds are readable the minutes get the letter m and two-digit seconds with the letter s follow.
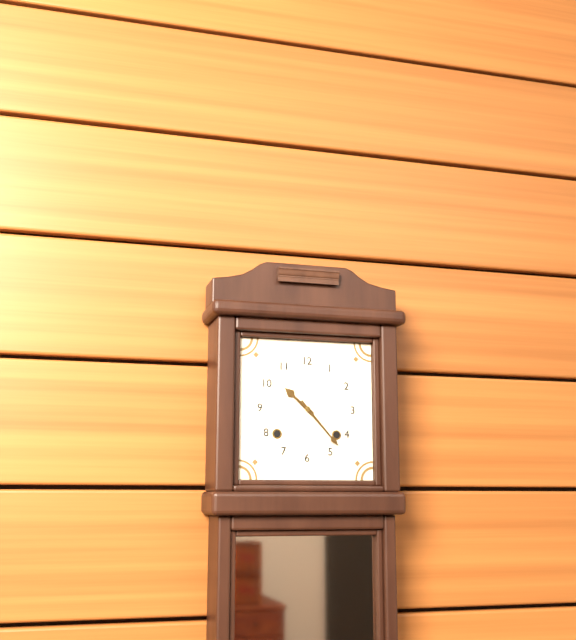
10h23
